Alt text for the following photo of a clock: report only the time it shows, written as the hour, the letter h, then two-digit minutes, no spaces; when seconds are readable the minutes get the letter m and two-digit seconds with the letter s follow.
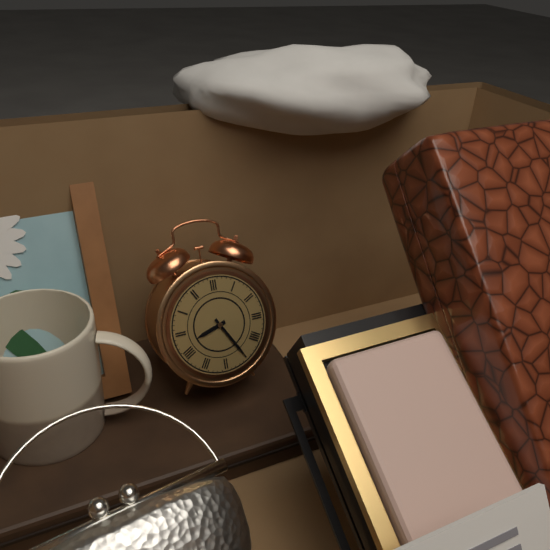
8h25
